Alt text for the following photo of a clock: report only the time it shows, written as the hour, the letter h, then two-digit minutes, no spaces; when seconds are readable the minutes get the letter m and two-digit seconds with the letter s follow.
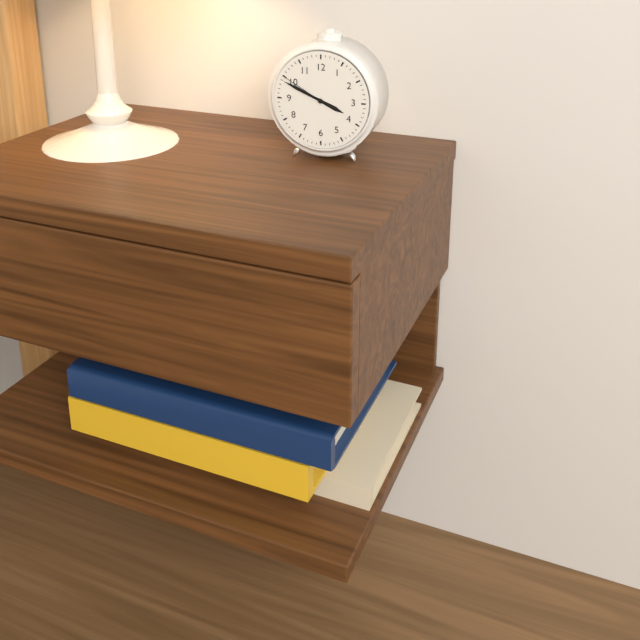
3h49m50s
